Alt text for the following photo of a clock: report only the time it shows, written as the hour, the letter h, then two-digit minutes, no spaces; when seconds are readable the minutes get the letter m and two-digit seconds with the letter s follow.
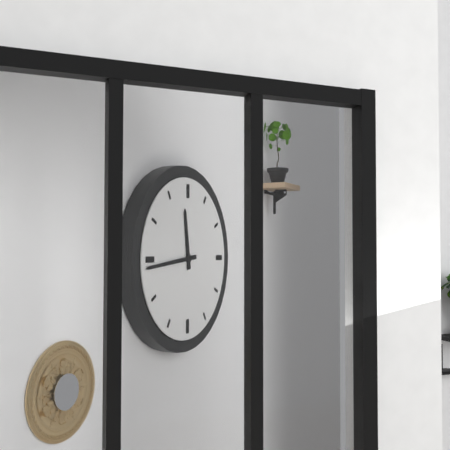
11h44
